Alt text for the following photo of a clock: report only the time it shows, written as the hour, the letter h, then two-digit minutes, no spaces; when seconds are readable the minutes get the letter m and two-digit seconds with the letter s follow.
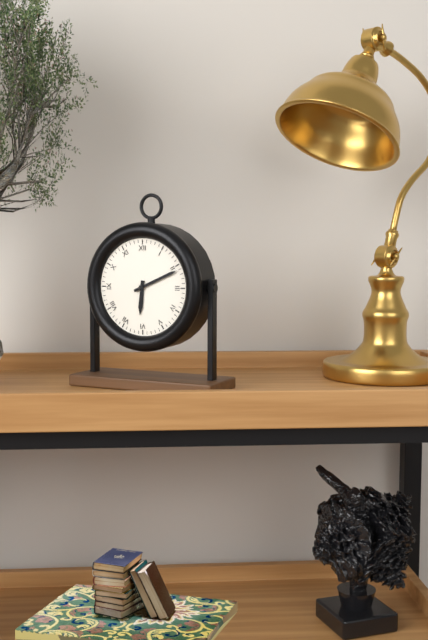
6h11
